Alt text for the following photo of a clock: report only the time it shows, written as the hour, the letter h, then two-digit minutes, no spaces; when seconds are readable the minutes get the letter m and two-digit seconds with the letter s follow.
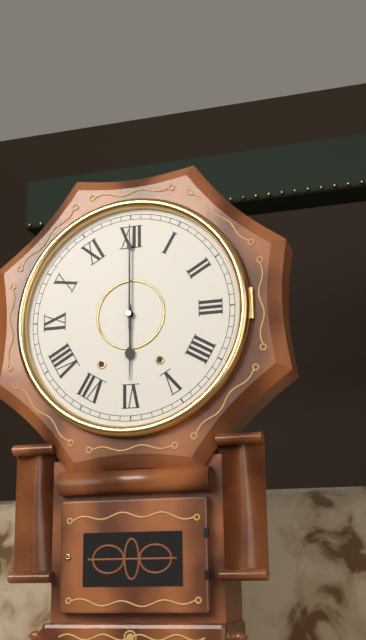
6h00
